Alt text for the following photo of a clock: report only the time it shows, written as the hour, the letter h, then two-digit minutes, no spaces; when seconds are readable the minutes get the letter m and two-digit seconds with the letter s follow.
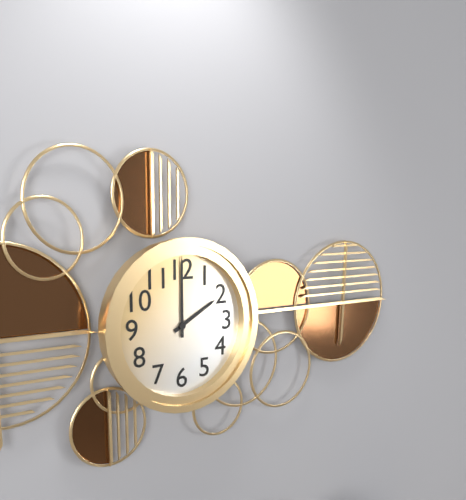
2h00
